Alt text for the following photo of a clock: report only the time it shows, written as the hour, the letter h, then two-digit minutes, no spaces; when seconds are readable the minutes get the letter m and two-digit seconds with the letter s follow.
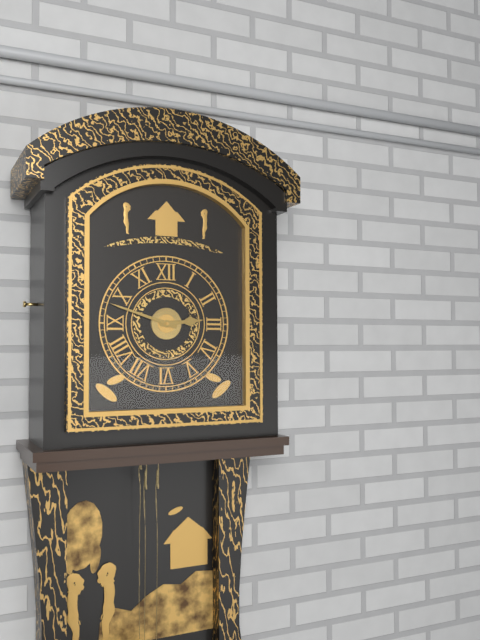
2h48
